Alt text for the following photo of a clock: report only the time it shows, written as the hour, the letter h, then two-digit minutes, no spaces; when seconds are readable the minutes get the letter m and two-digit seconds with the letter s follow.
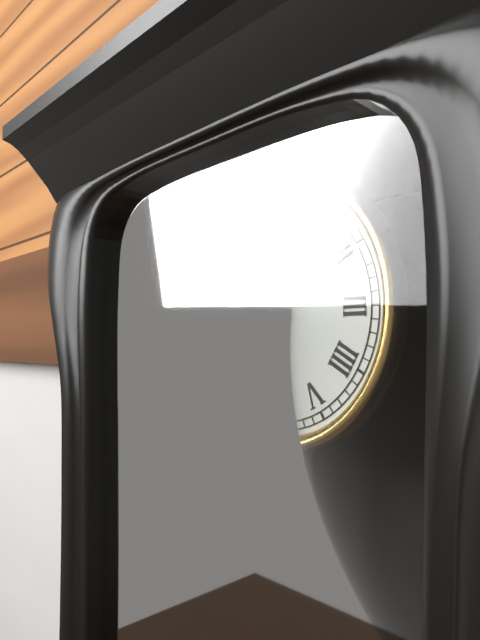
9h57
